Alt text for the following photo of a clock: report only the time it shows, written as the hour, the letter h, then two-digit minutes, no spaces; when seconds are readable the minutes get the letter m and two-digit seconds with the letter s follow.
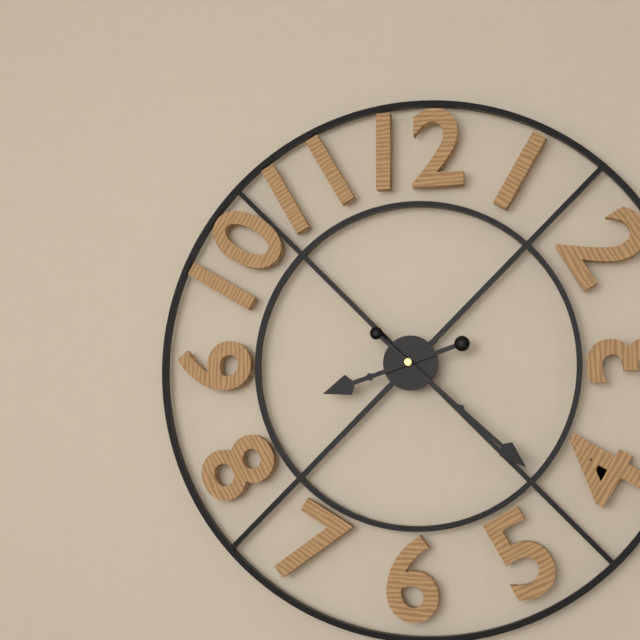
8h22
